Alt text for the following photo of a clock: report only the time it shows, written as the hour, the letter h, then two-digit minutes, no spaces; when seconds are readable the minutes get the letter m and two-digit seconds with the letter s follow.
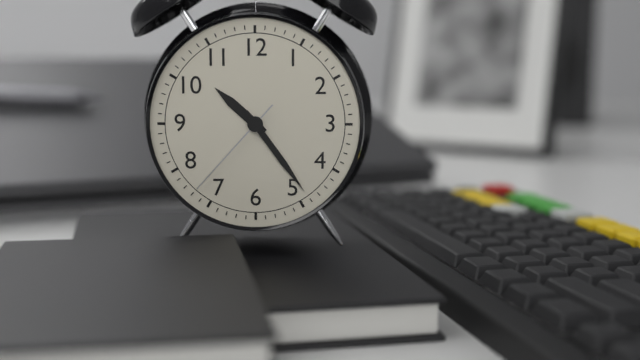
10h24m37s
